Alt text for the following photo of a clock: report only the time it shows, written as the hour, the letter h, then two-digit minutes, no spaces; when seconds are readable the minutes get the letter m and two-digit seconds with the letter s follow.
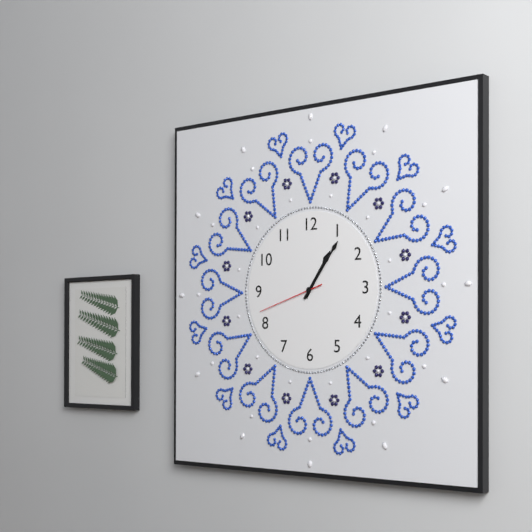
1h06m42s
